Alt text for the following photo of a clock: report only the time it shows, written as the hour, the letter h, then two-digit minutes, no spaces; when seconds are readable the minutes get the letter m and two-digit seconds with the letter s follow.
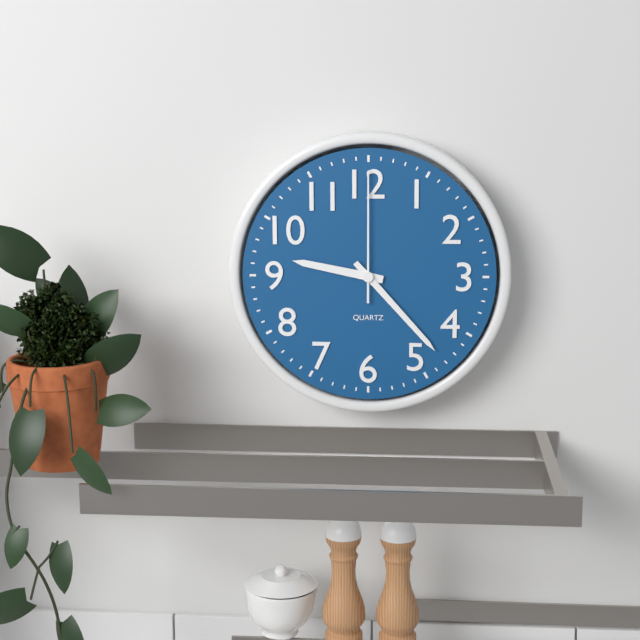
9h23m00s
